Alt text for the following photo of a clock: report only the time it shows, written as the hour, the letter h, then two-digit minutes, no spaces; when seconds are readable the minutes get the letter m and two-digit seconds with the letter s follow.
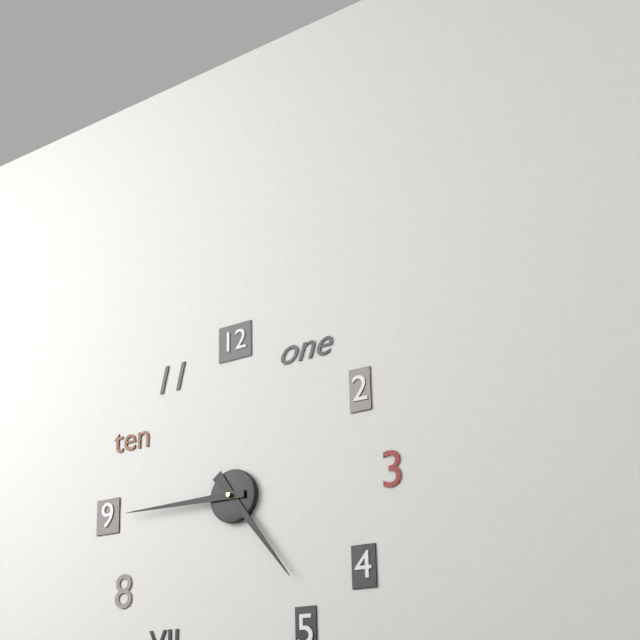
4h45
